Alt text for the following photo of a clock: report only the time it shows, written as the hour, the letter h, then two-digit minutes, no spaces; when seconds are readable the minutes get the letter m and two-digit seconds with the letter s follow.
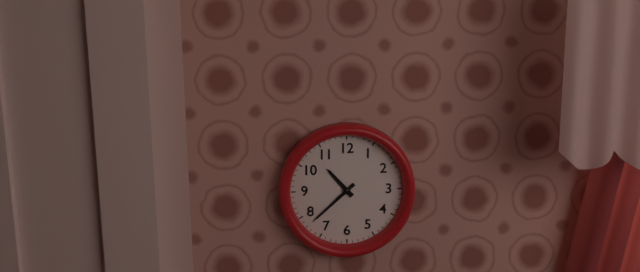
10h38
